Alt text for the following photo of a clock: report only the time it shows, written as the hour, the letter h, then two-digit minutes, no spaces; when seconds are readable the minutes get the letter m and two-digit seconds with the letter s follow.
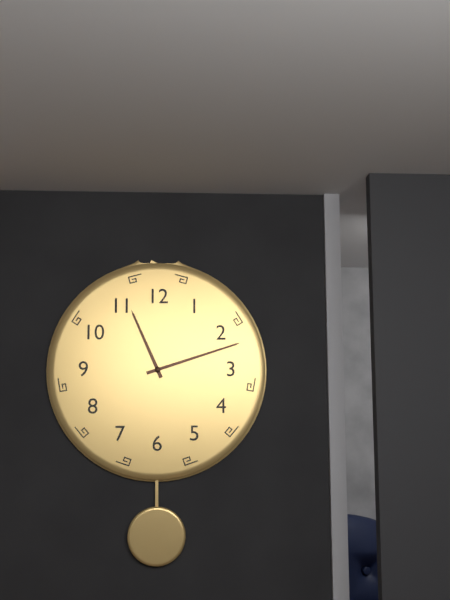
11h12
